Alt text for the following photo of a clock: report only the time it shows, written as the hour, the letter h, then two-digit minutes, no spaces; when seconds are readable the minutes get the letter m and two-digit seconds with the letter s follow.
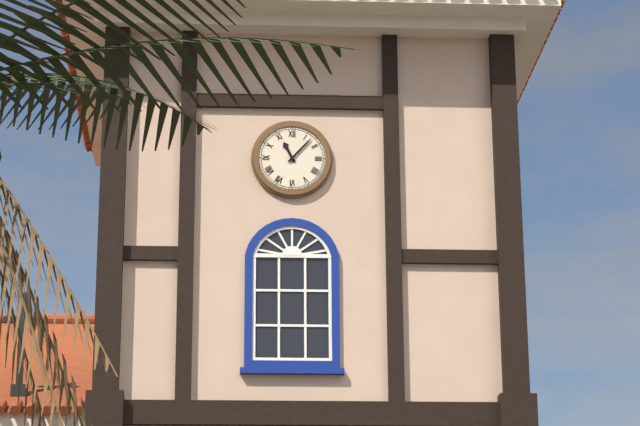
11h07
